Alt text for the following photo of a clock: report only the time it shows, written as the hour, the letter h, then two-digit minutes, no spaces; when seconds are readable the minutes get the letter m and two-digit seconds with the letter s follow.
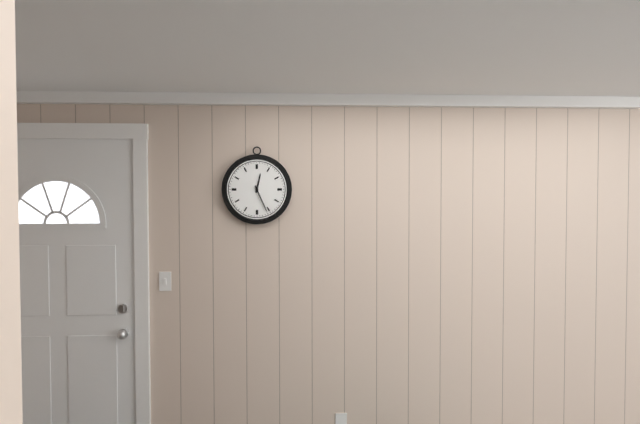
12h26
